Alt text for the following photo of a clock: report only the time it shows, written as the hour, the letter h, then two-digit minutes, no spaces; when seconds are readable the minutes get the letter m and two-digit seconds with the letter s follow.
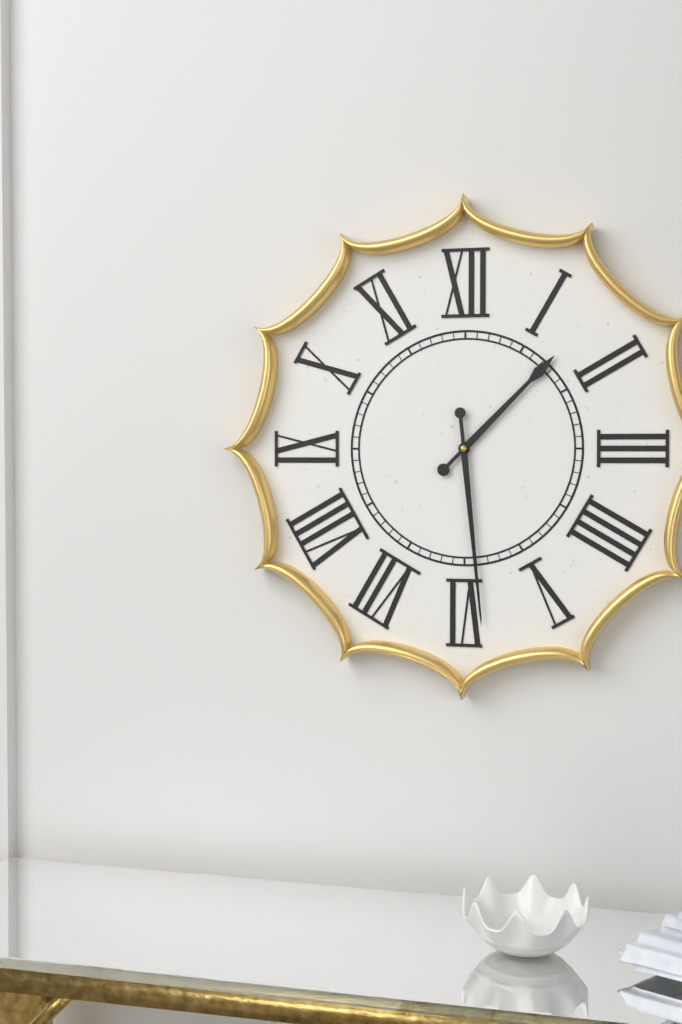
1h29
